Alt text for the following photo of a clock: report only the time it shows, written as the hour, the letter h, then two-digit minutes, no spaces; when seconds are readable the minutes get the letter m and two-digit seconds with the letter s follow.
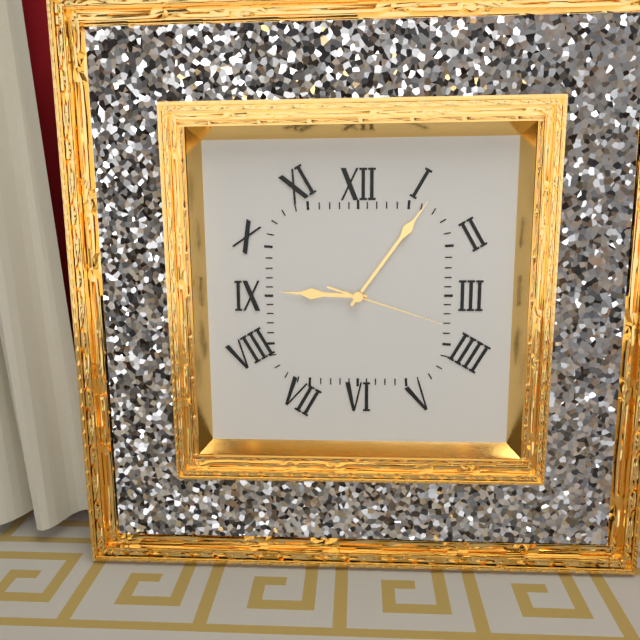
9h06m18s
